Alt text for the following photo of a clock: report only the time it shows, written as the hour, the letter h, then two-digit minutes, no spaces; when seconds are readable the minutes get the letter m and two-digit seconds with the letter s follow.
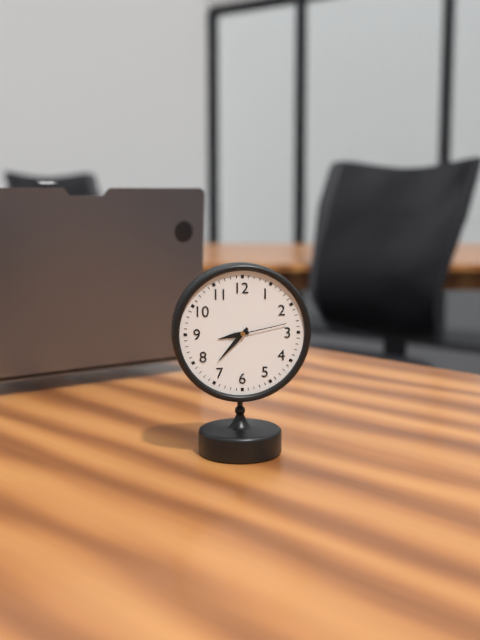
8h37m13s
